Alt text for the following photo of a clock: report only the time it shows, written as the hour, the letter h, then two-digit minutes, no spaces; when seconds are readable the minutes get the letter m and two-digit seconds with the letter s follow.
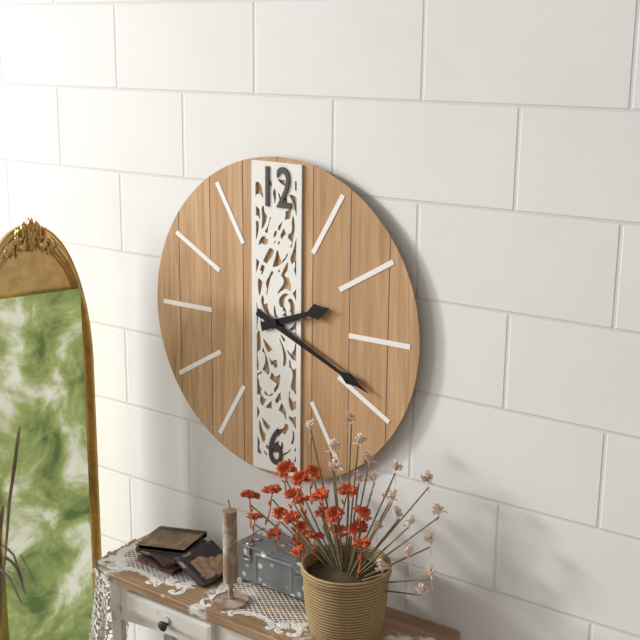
2h19
